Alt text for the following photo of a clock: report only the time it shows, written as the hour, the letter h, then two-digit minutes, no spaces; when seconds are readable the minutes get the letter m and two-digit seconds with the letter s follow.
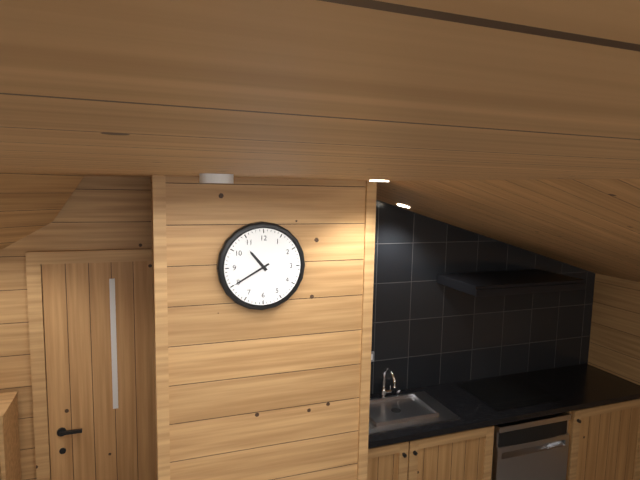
10h40
